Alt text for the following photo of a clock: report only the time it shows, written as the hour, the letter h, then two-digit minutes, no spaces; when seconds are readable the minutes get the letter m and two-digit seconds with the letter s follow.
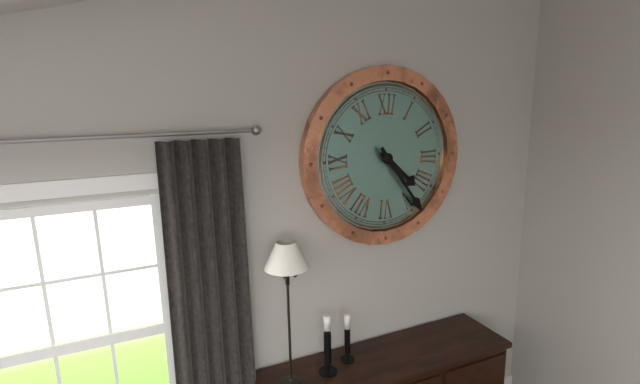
4h24
